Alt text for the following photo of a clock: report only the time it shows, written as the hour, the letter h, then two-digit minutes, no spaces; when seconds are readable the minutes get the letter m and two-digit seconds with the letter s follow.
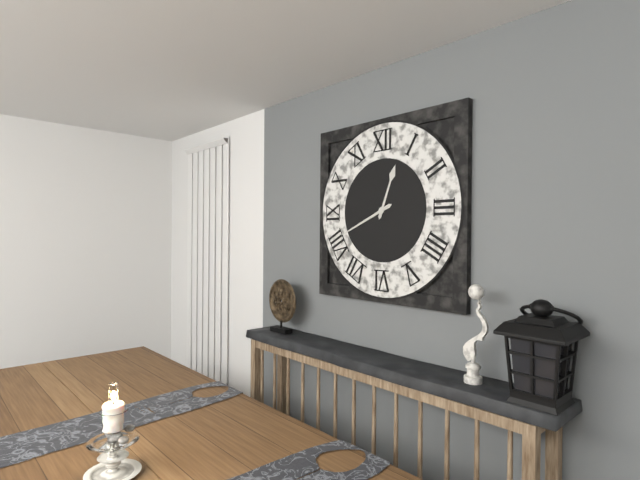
12h41
